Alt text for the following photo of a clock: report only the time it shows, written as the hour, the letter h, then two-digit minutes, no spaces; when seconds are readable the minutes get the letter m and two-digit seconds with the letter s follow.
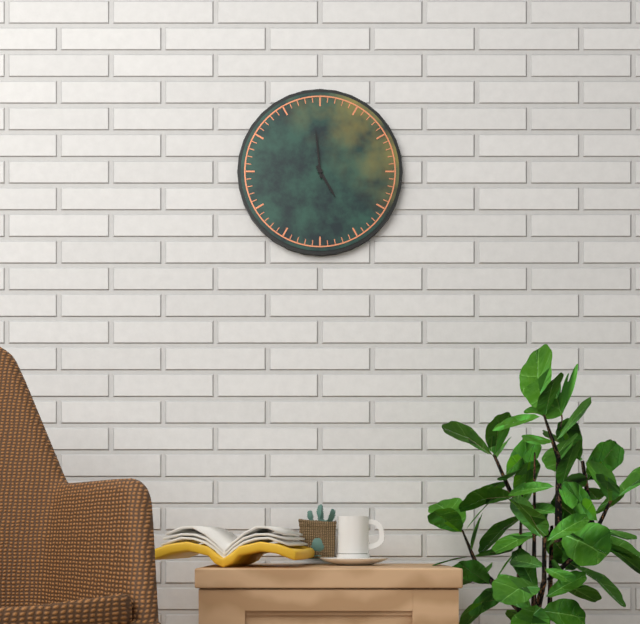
4h59
